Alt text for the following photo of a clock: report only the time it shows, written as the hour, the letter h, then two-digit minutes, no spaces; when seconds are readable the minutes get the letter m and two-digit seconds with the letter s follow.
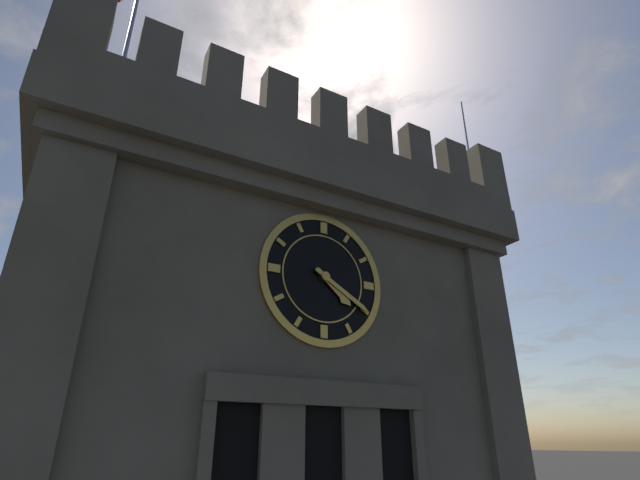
4h20
